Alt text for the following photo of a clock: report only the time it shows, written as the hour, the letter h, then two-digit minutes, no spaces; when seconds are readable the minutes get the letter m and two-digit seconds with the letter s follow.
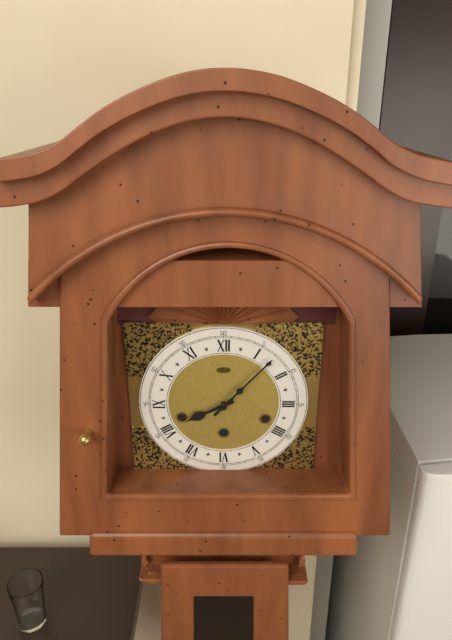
8h07
